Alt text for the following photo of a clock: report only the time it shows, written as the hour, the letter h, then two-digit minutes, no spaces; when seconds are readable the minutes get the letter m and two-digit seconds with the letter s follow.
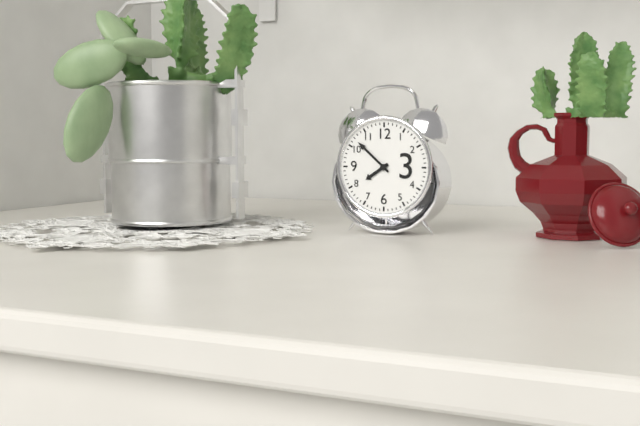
7h52
